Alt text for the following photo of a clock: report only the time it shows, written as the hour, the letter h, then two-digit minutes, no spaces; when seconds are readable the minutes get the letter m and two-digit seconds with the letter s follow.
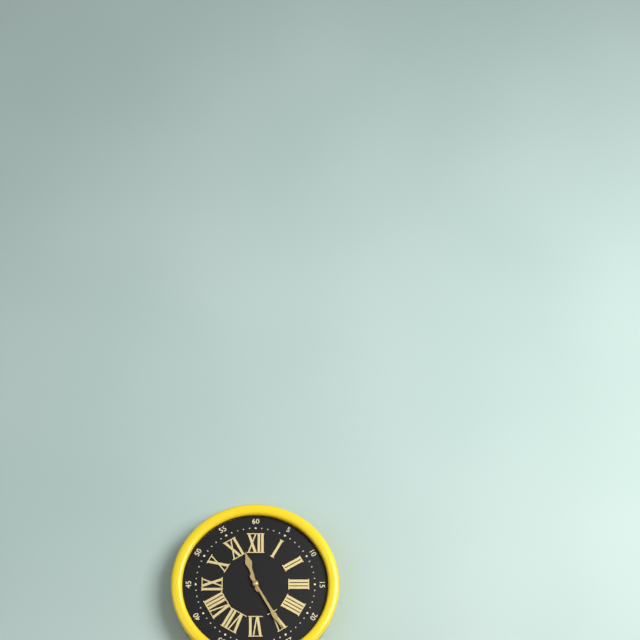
11h25
